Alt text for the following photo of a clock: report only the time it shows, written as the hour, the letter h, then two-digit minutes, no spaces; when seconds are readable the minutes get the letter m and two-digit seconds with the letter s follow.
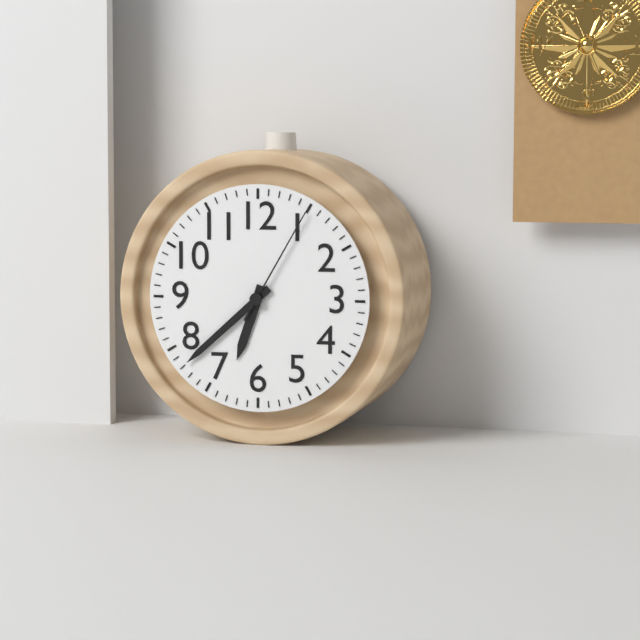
6h38m05s
